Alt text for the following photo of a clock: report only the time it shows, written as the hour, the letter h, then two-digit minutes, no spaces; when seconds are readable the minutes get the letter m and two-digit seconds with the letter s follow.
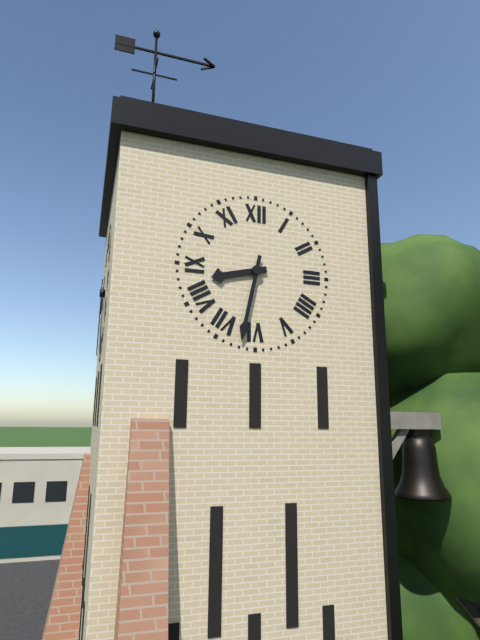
8h32
